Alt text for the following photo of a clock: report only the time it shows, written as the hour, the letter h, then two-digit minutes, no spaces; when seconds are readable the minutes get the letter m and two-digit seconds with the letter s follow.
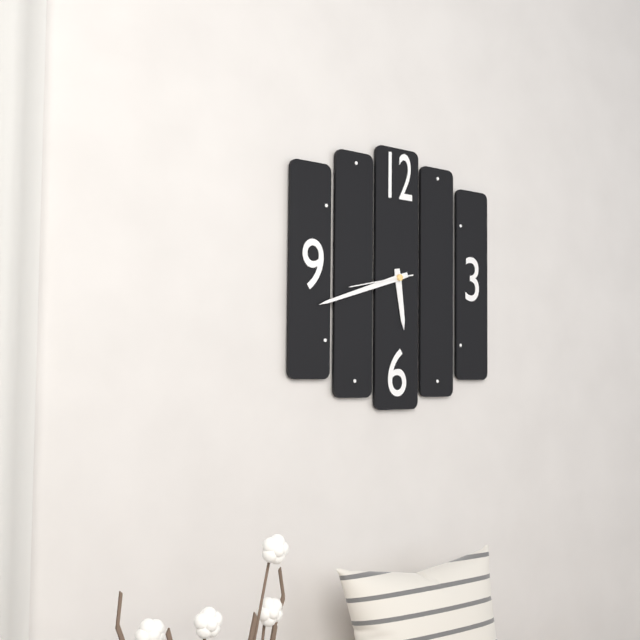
5h42m43s
